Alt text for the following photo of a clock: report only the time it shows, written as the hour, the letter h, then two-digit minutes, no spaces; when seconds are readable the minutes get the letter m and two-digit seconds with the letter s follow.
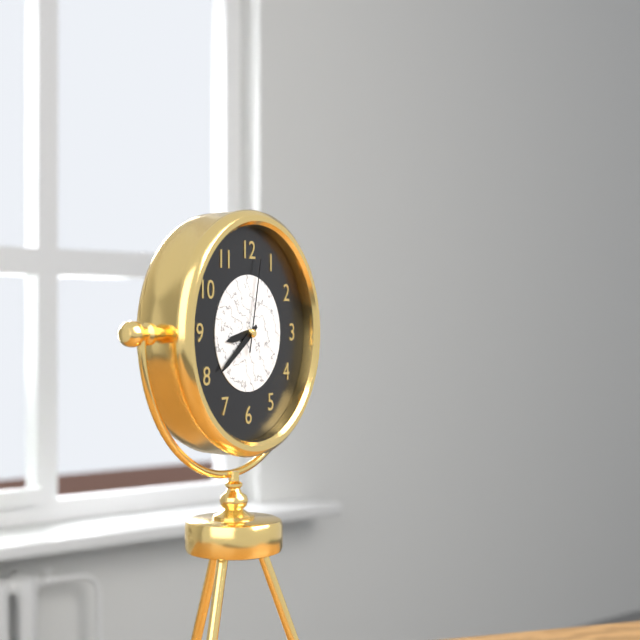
8h39m02s
